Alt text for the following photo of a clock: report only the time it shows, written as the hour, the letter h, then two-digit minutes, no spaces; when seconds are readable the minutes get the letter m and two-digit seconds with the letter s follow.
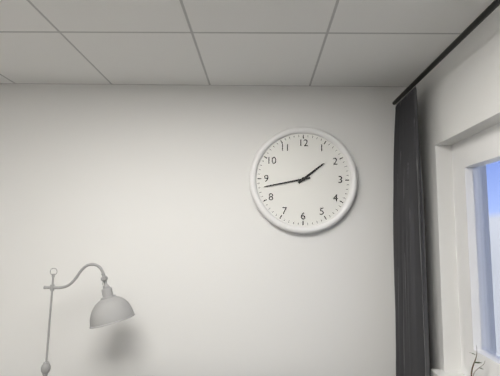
1h43
